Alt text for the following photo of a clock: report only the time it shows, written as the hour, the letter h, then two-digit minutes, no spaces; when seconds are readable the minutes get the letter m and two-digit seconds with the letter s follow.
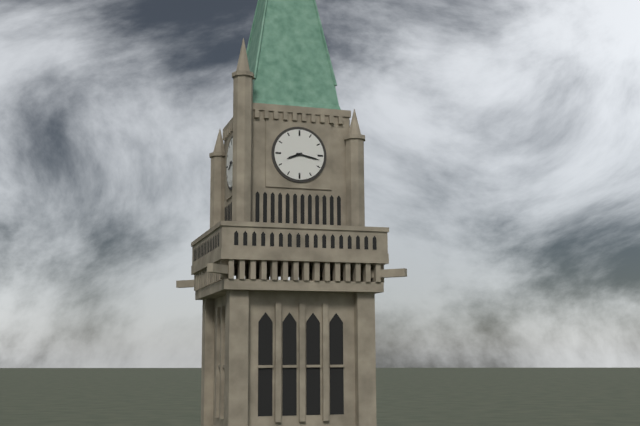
8h17
